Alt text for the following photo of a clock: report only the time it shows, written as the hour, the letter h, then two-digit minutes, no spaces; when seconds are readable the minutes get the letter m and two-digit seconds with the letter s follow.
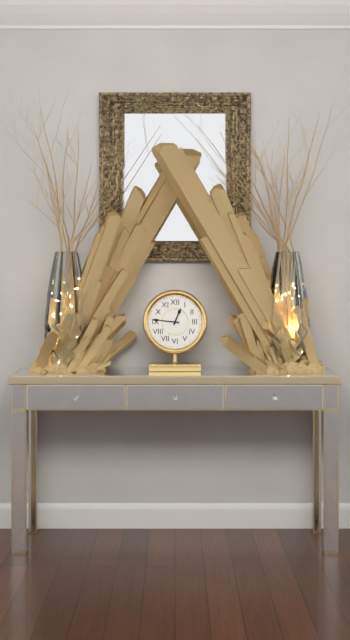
12h46
